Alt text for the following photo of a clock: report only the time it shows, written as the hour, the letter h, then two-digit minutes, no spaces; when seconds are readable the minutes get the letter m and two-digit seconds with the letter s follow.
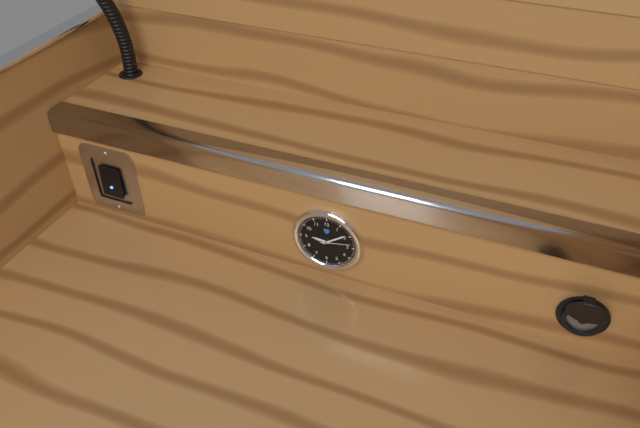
9h09
